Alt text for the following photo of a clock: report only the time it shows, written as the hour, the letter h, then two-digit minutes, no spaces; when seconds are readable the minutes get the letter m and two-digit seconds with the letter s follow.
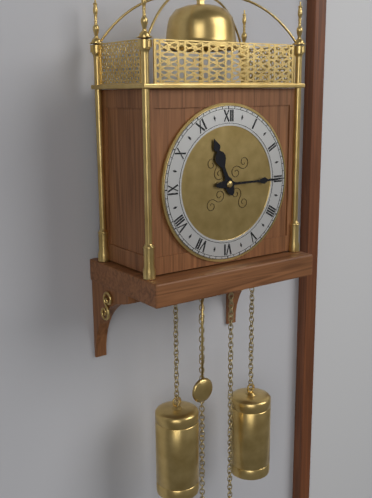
11h15
